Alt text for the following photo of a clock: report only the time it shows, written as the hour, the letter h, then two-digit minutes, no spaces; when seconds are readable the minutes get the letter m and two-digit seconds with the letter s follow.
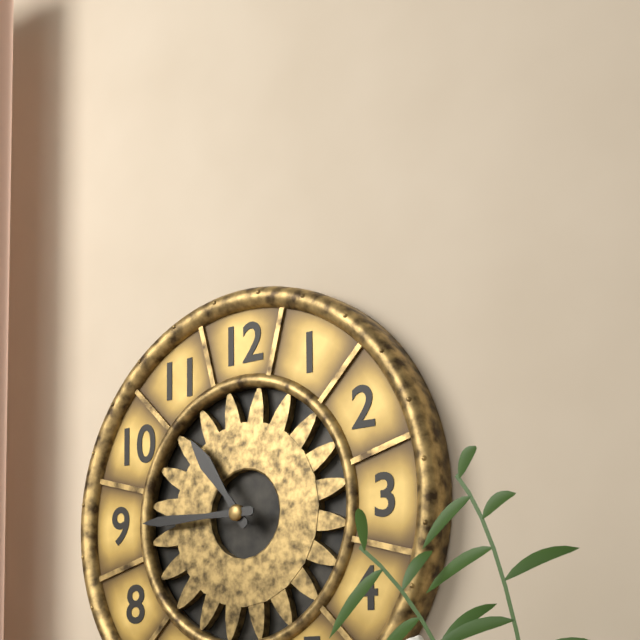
10h45
